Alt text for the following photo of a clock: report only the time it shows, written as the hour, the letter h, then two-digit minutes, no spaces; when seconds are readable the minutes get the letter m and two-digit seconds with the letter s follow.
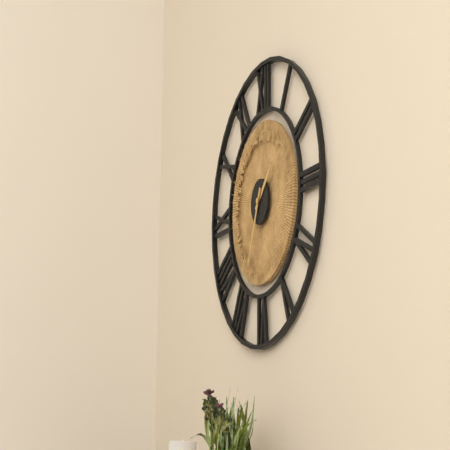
1h34
